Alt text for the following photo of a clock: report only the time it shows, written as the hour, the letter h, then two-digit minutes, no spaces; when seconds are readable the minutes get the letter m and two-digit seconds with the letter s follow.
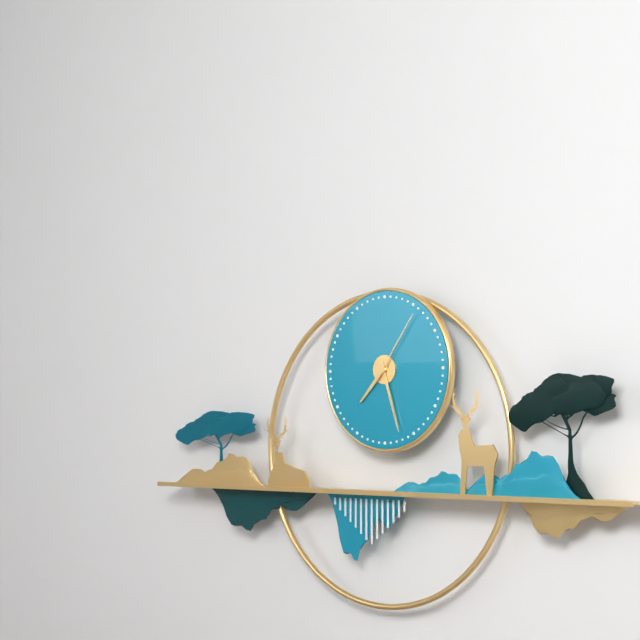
7h27m06s
